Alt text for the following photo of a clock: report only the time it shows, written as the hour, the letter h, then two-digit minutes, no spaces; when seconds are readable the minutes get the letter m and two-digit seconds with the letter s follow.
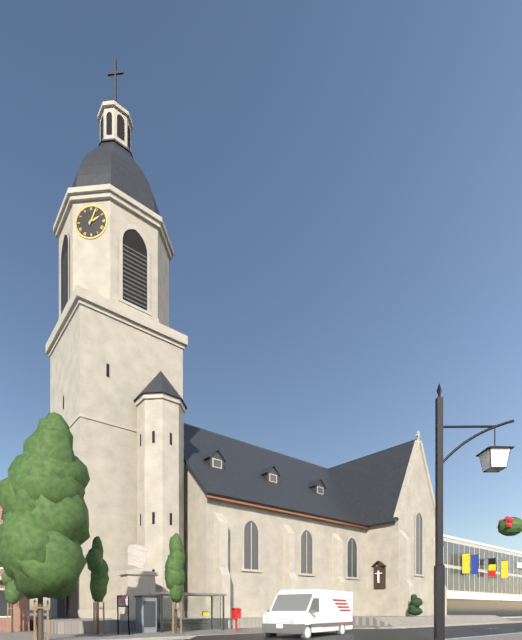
2h04
